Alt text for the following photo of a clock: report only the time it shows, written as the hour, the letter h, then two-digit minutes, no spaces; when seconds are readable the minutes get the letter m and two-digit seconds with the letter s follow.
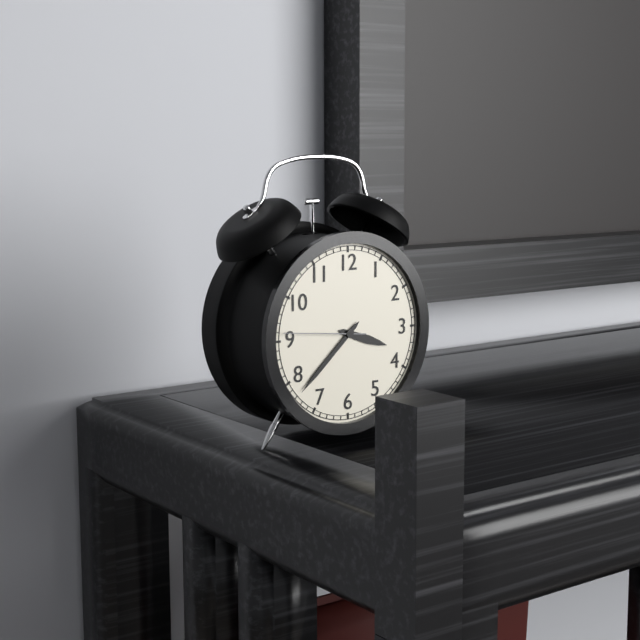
3h38m46s
